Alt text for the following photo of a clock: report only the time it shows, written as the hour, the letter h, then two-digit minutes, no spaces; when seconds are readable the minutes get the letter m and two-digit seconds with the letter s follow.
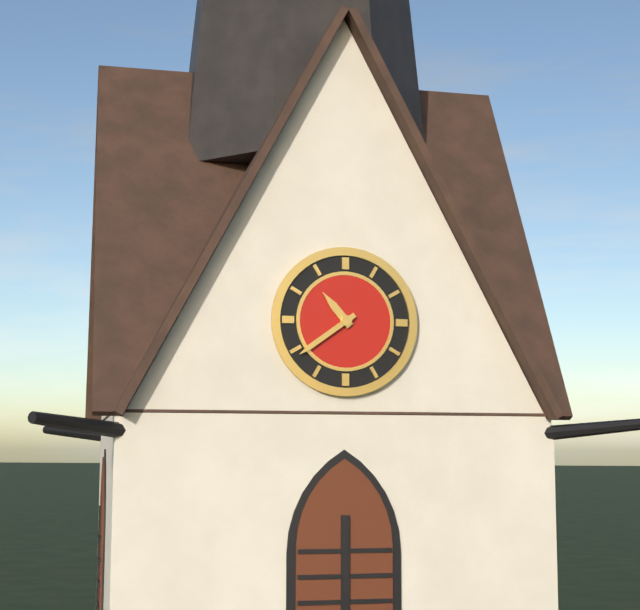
10h39
